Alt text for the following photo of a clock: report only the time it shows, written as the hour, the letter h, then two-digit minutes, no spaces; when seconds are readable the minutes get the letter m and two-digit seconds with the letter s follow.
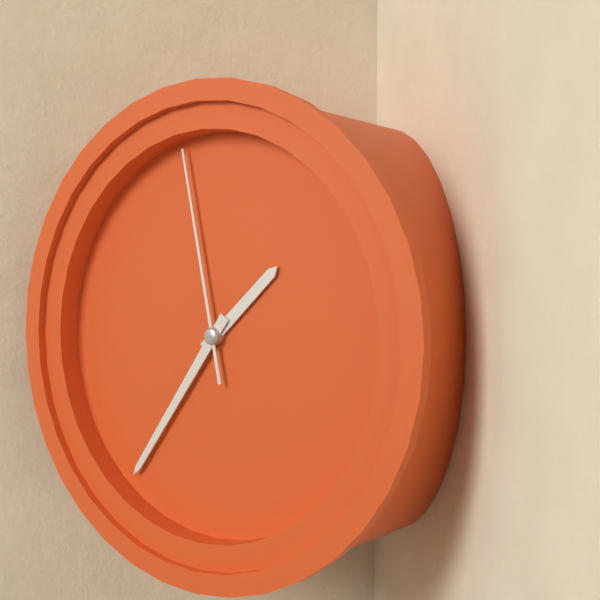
1h36m58s
